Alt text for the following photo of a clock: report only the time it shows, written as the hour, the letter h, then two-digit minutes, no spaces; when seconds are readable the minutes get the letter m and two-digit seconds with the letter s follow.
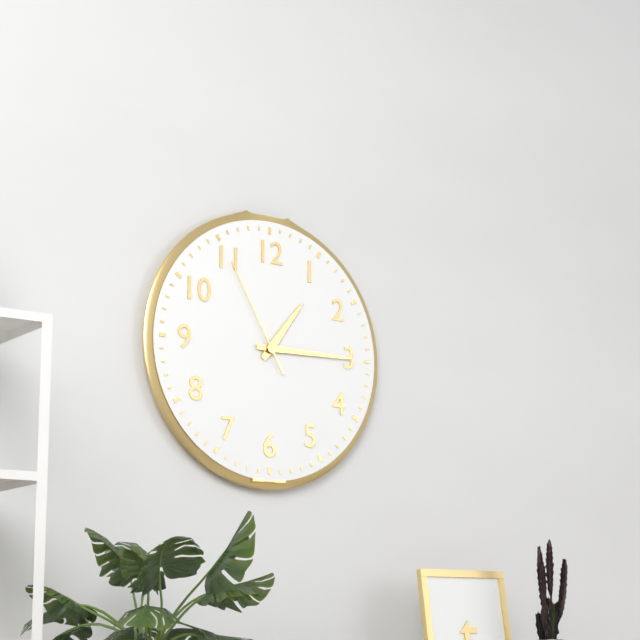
1h15m55s
